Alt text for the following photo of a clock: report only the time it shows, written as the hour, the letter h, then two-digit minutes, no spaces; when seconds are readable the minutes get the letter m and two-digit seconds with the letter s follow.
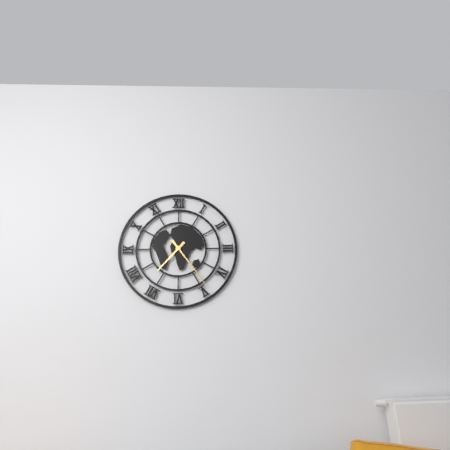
7h24
